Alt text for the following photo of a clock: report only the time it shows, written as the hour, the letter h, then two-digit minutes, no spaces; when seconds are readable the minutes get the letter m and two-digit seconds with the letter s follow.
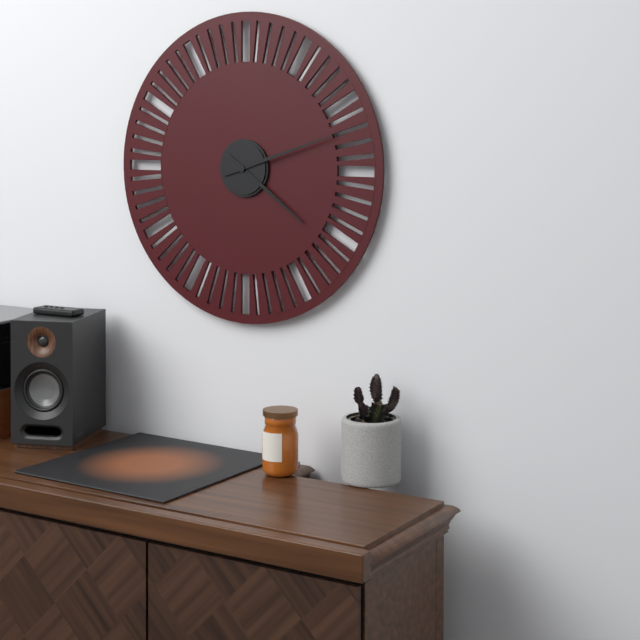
4h12
